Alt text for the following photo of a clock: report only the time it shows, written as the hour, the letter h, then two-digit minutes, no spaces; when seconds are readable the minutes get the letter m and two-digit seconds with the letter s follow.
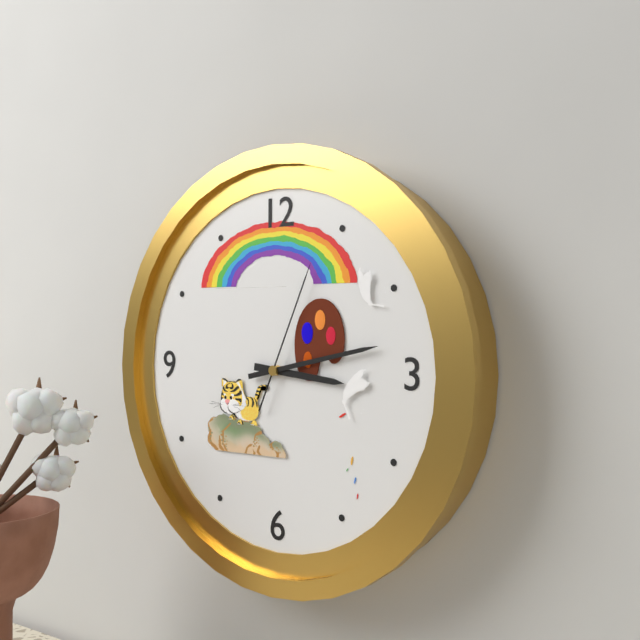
3h13m04s
